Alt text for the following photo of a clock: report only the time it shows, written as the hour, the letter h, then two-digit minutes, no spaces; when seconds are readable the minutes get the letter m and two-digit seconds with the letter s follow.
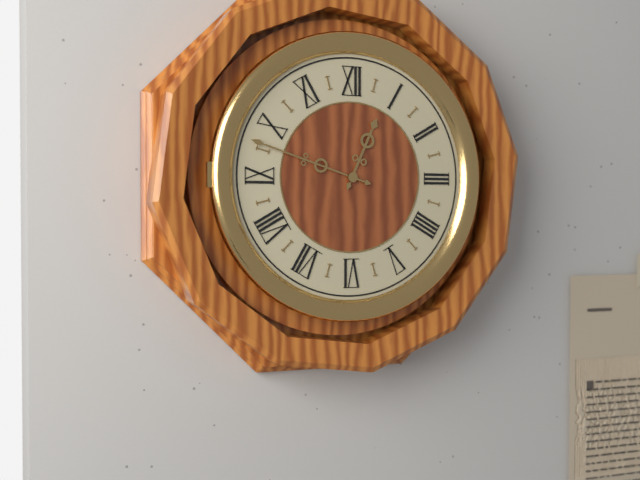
12h48
